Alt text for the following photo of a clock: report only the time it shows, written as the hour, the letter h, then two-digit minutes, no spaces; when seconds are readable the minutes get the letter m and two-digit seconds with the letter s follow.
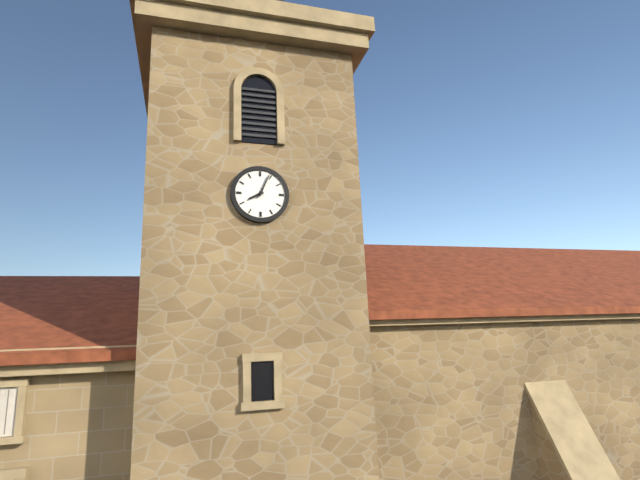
8h04
